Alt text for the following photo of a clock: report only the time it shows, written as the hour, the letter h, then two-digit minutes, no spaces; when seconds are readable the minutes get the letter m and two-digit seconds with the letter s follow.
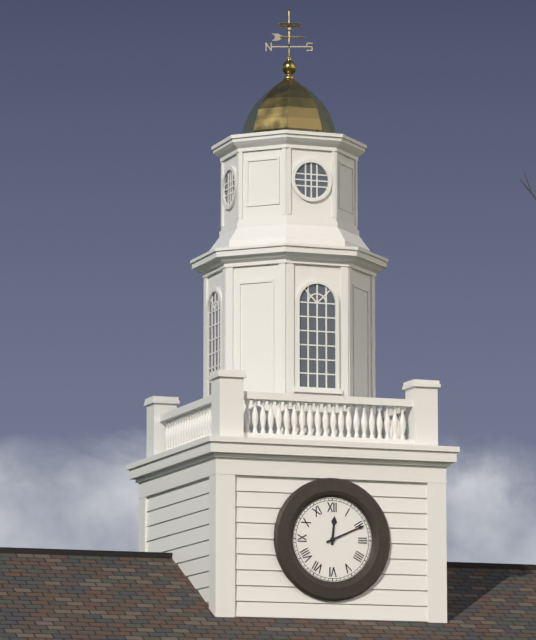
12h11
